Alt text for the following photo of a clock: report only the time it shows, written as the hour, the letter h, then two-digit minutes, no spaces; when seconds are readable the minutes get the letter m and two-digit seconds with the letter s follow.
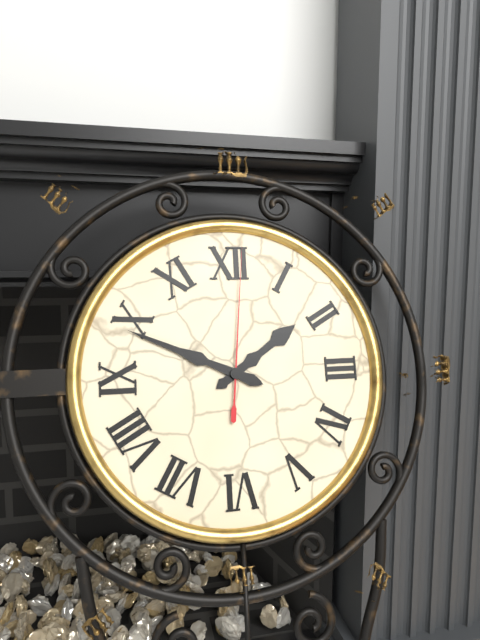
1h49m01s
